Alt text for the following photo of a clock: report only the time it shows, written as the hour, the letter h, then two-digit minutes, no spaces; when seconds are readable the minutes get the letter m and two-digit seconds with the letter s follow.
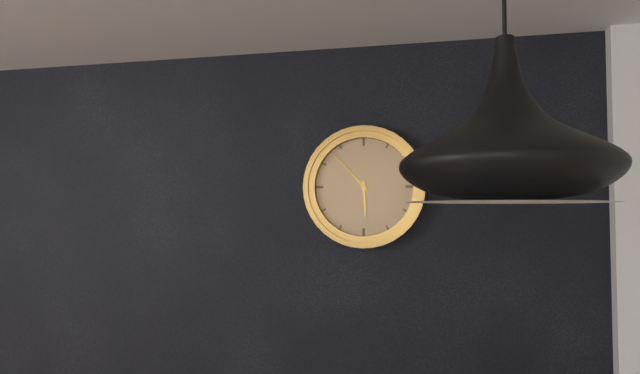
5h53
